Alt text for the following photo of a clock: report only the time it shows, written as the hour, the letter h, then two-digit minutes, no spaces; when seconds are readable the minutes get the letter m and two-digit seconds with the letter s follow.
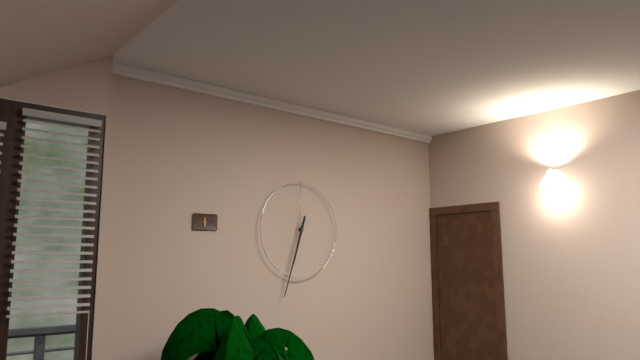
6h33
